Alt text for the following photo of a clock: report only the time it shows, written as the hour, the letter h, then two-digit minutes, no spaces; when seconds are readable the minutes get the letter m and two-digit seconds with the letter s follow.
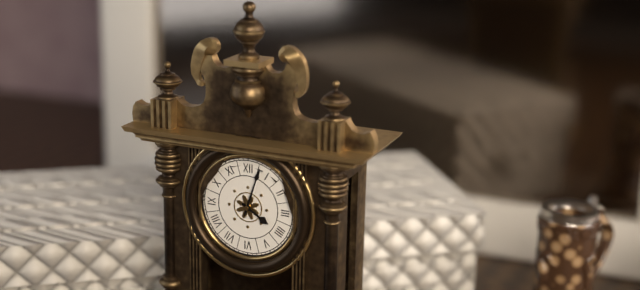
4h03
